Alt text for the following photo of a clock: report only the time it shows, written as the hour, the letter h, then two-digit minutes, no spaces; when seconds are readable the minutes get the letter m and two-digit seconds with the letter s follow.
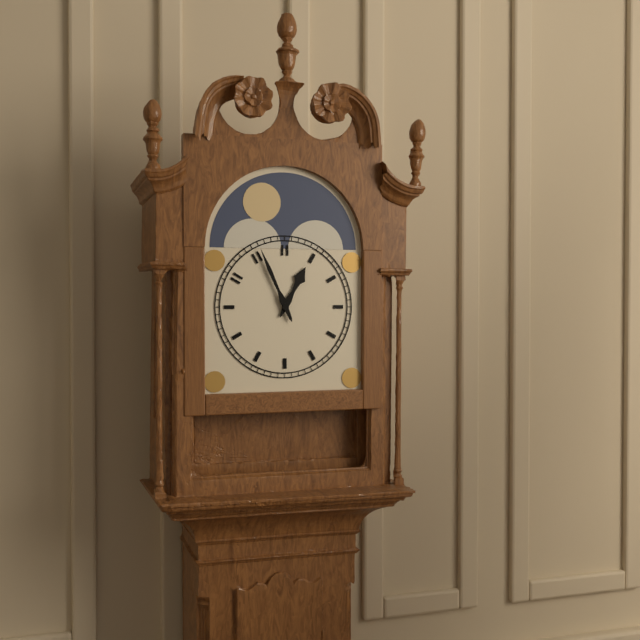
12h56
